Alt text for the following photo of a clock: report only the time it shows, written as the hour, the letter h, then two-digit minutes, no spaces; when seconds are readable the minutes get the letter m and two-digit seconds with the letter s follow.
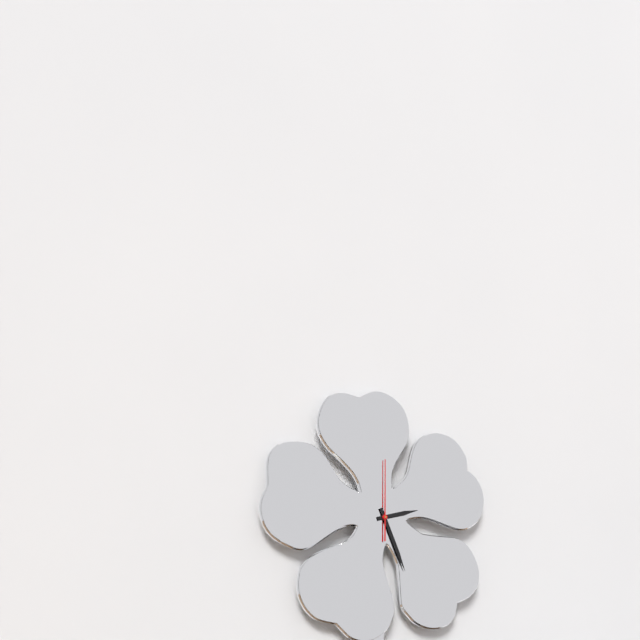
2h26m00s
